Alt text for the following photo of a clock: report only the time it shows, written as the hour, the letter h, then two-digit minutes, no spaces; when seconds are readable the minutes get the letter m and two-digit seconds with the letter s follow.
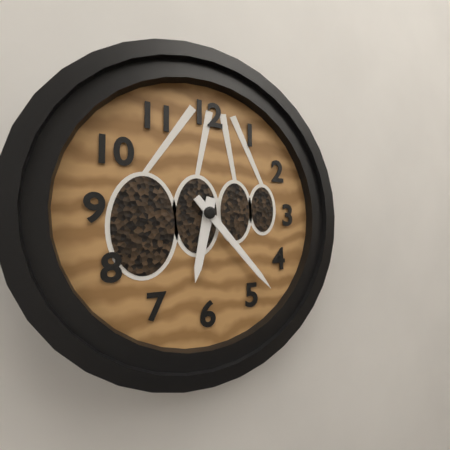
6h23
